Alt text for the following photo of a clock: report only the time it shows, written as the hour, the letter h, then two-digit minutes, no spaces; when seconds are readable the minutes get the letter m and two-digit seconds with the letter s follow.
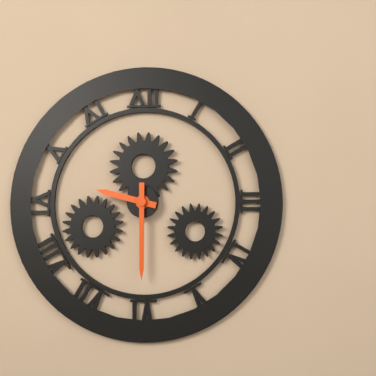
9h30
